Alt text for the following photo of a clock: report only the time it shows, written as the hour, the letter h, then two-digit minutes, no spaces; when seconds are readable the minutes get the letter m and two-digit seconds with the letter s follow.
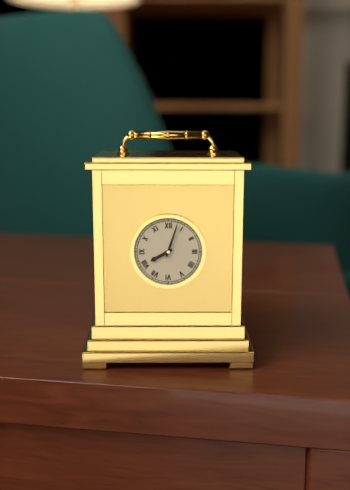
8h03
